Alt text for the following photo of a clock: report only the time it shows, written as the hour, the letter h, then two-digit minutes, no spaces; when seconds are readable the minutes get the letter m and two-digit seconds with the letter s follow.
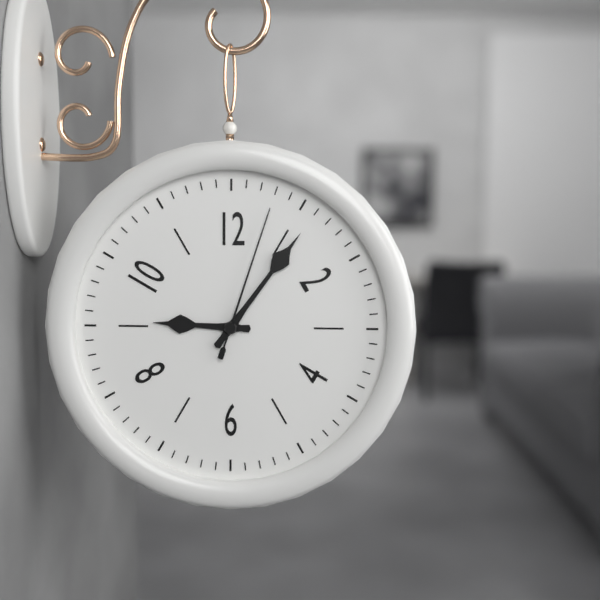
9h06m03s
